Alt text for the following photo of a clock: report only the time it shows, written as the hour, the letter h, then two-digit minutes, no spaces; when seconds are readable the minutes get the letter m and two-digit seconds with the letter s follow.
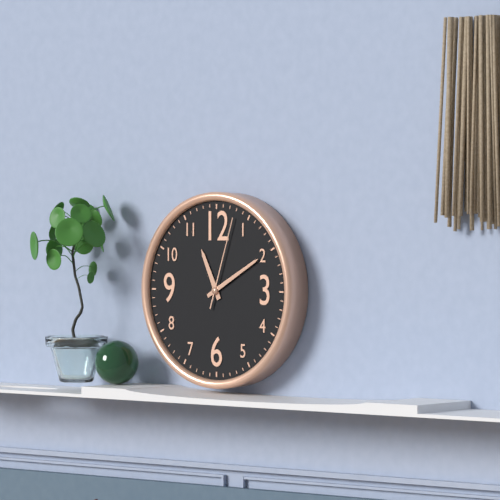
11h10m03s
